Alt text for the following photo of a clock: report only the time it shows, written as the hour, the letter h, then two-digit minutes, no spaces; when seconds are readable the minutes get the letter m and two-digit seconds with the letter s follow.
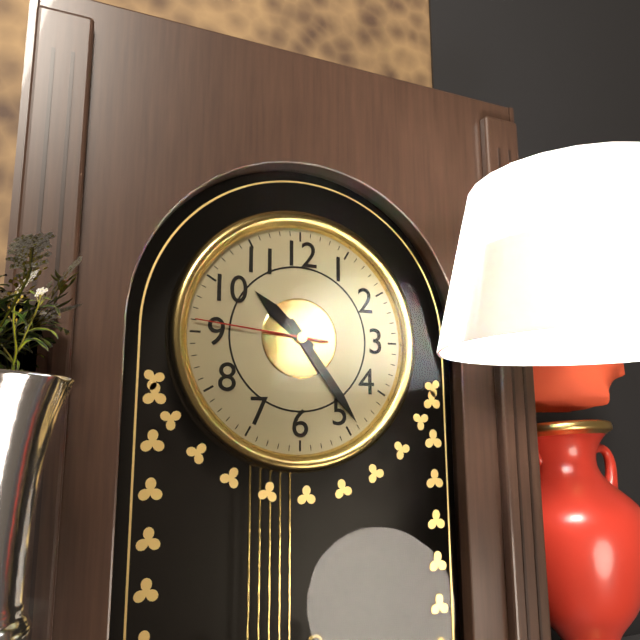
10h24m46s
